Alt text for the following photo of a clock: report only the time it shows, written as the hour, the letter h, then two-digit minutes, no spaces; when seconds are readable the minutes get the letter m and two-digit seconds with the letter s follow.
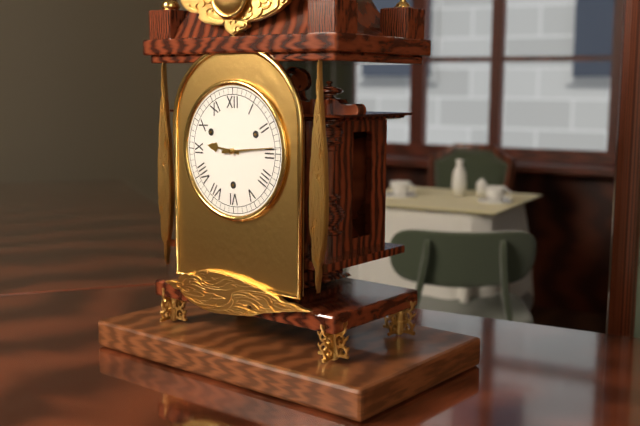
9h14
